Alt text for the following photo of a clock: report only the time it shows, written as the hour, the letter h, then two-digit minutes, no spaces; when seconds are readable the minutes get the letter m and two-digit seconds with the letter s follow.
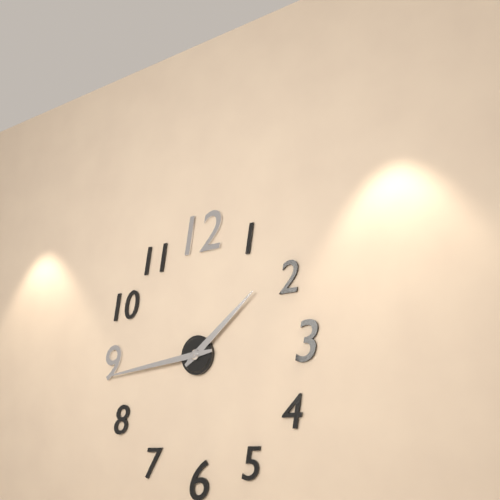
1h44
